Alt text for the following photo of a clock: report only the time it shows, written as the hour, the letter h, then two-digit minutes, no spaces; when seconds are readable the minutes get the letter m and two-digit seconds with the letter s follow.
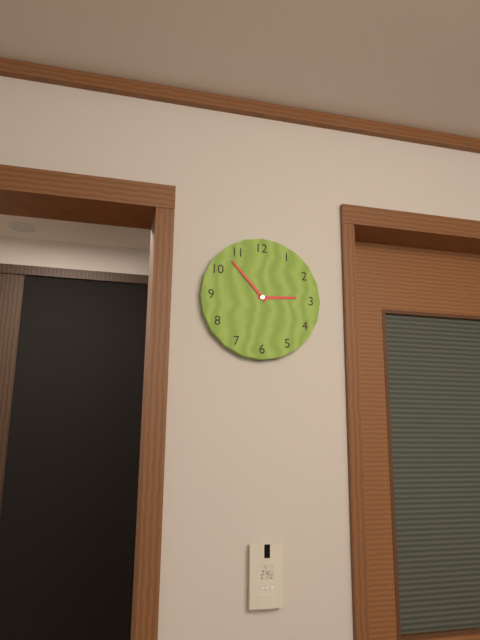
2h53
